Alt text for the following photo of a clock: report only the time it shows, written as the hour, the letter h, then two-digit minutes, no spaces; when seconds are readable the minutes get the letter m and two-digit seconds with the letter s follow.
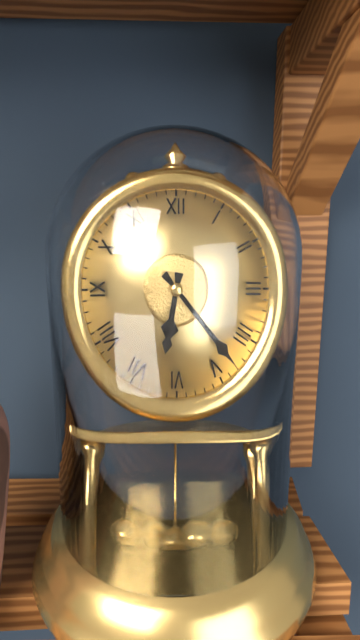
6h23
